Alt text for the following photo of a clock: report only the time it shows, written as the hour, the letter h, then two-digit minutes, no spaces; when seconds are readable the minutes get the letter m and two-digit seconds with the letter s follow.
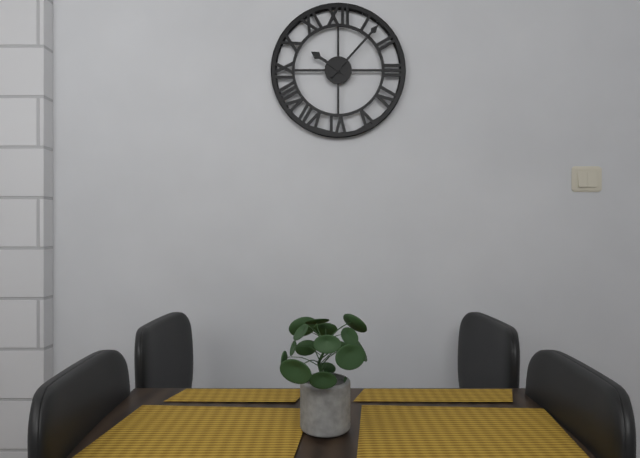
10h07
